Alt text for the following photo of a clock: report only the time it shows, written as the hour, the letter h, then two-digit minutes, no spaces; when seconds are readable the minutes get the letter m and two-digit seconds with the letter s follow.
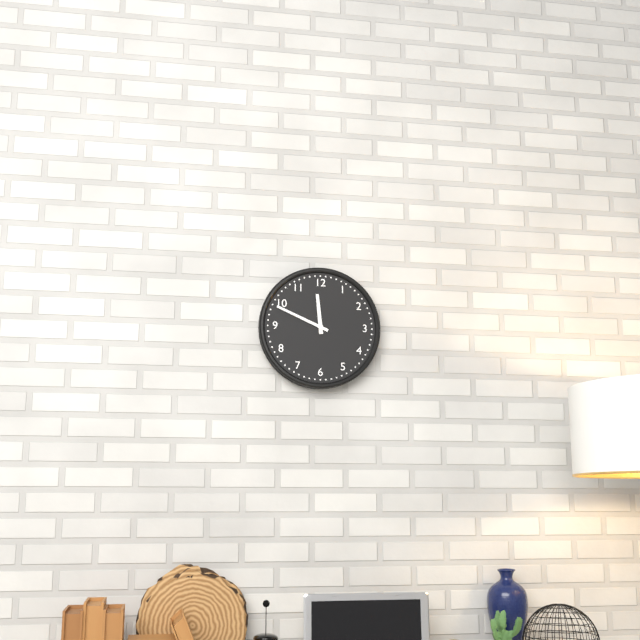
11h49
